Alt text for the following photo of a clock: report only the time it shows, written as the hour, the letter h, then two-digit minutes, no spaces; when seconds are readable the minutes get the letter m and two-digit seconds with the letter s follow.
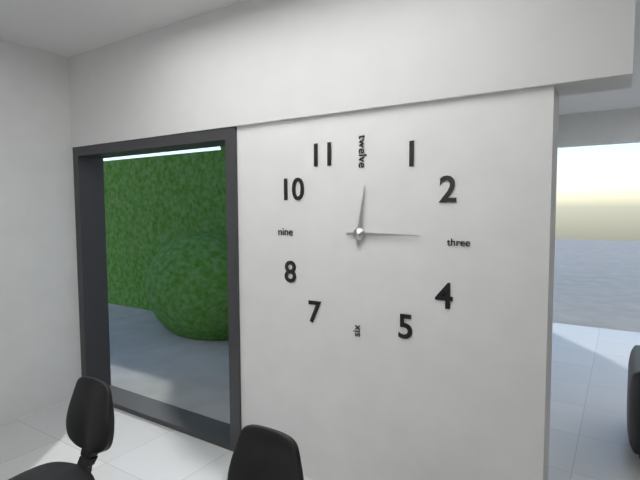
12h15
